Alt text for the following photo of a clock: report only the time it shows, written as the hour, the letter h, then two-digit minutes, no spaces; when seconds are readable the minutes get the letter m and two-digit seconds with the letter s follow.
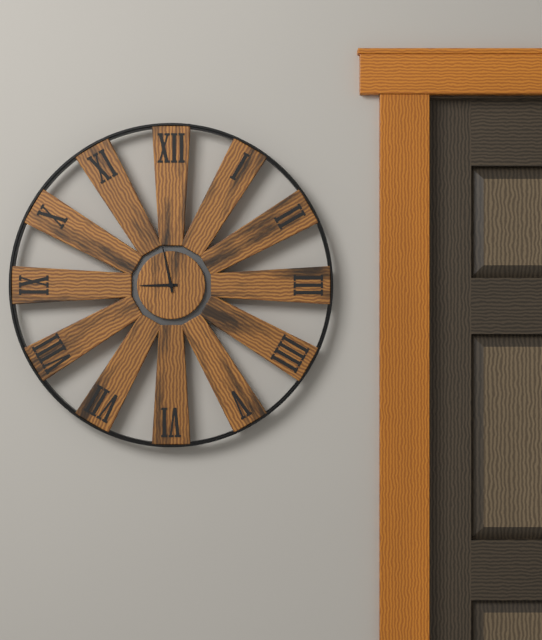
8h58
